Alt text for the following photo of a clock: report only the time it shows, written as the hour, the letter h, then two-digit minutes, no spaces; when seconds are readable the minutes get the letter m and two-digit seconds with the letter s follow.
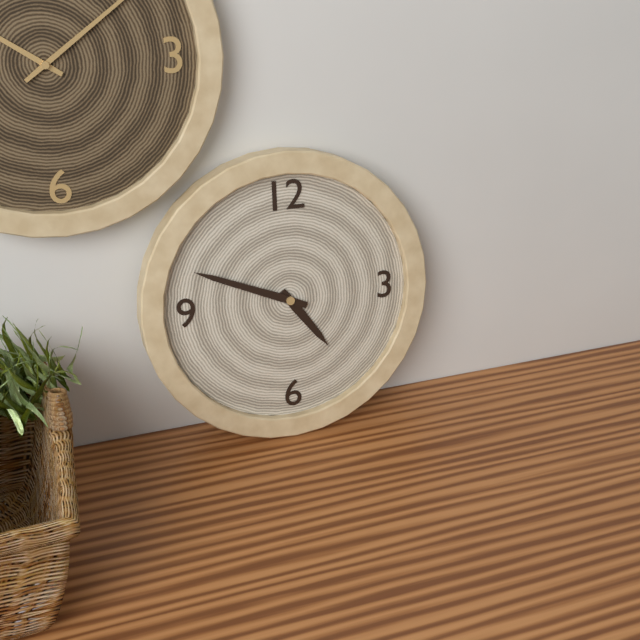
4h49
